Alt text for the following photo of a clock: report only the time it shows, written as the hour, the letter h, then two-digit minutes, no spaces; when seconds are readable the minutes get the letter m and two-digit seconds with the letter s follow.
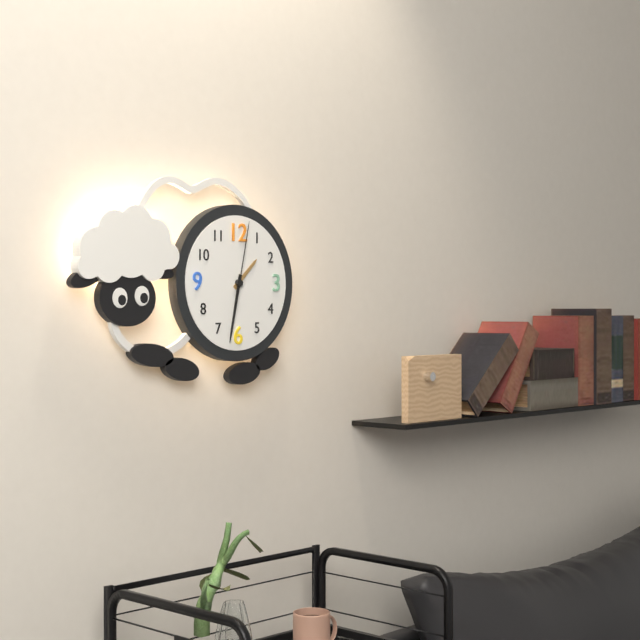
1h32m02s
